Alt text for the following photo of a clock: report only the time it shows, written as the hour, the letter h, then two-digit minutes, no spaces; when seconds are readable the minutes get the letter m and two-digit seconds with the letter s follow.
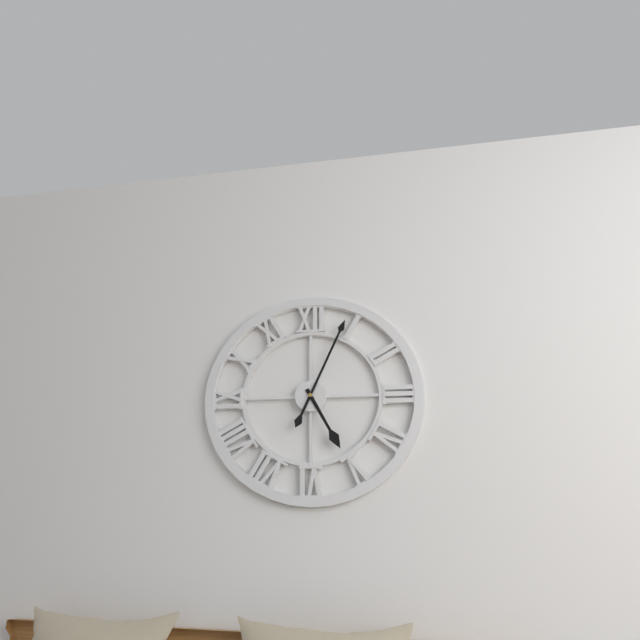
5h04
